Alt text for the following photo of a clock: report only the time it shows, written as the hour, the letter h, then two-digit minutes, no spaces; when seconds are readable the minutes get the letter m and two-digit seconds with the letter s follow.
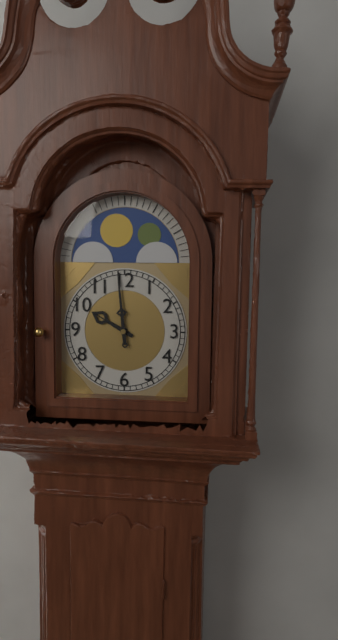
9h59
